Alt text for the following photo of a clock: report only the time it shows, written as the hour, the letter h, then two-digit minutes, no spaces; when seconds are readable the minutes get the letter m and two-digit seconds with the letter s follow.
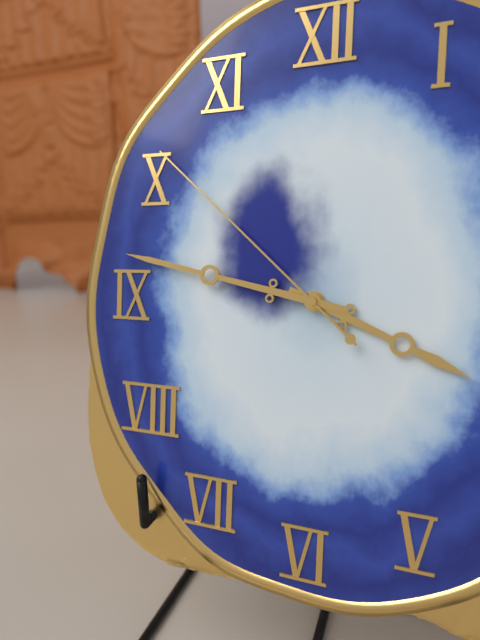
3h47m52s
